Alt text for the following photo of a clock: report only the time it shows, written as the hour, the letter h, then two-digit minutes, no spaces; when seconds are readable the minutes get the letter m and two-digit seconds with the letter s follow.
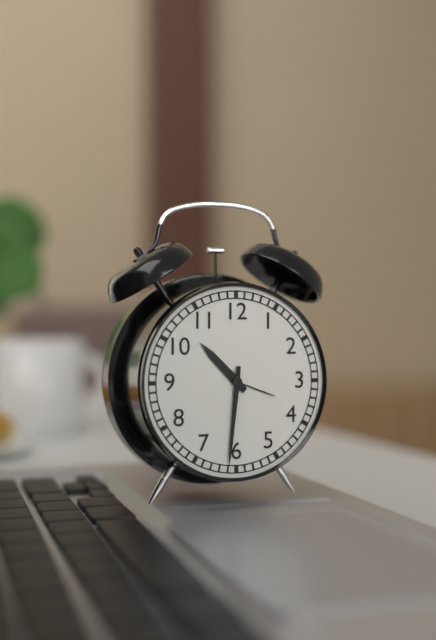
10h31
